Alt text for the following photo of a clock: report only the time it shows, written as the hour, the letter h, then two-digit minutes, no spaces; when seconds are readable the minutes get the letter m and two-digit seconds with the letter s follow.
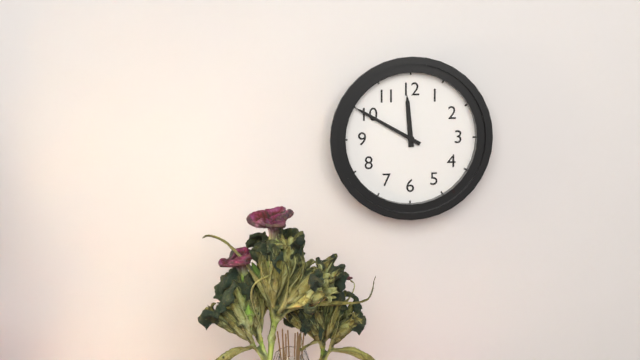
11h50
